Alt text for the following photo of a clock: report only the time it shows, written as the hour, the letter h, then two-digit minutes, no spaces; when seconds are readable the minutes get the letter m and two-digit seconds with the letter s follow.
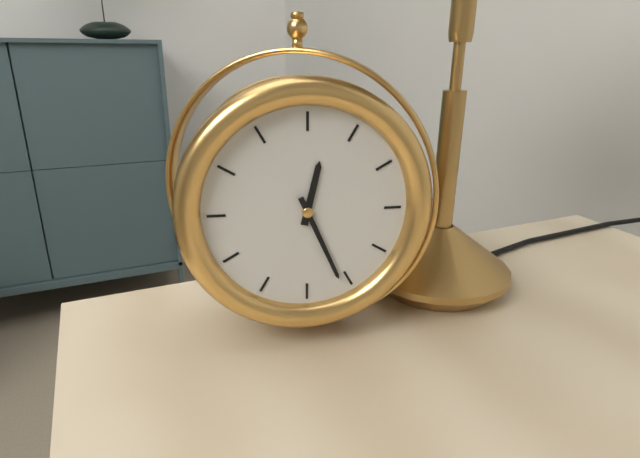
12h26
